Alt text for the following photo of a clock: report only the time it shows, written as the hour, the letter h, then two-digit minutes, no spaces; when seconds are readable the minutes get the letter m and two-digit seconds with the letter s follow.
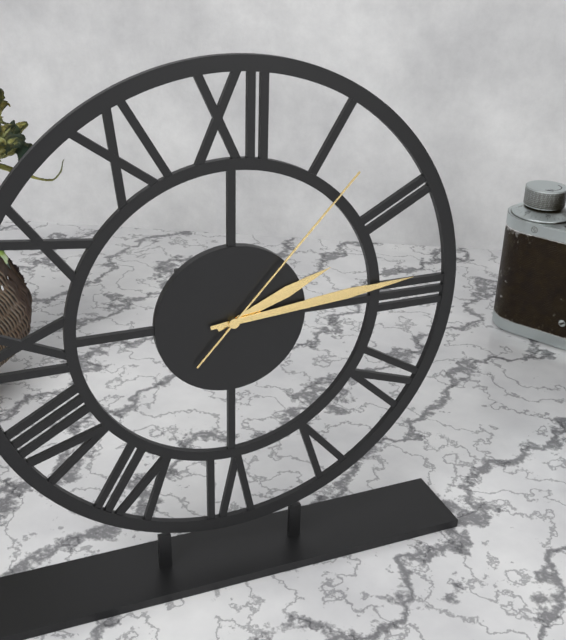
2h14m07s
